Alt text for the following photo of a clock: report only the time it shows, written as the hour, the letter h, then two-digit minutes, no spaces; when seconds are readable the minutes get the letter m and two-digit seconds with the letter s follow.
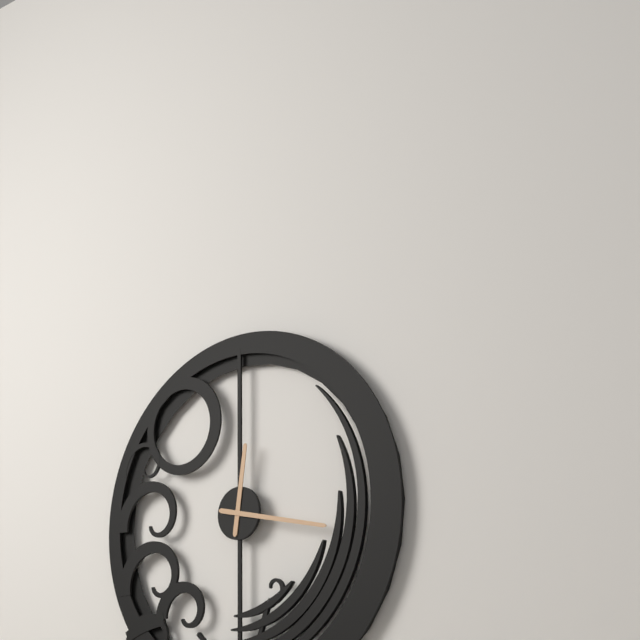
12h17
